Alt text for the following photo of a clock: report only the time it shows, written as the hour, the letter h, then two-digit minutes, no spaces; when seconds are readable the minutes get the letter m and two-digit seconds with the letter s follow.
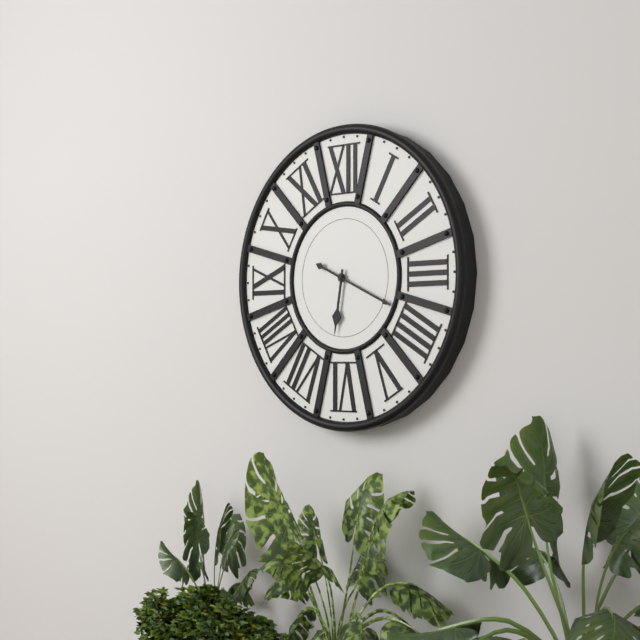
6h19
